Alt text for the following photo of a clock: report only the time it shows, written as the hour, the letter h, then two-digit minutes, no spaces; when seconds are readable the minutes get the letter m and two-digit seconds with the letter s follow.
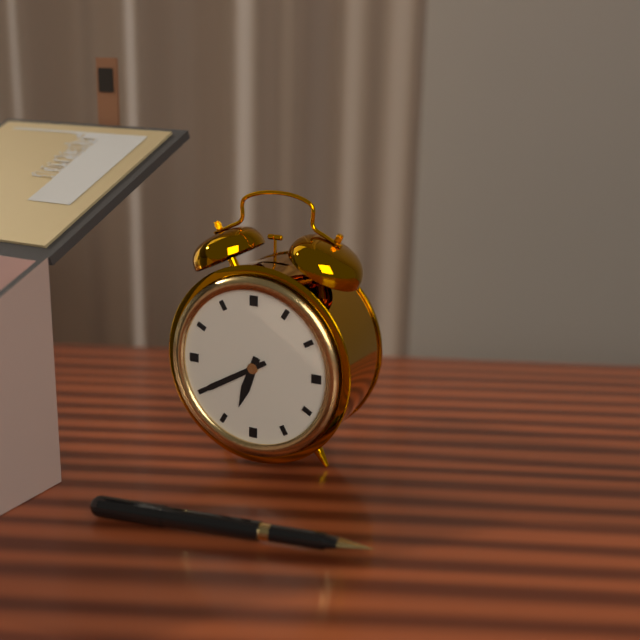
6h40
